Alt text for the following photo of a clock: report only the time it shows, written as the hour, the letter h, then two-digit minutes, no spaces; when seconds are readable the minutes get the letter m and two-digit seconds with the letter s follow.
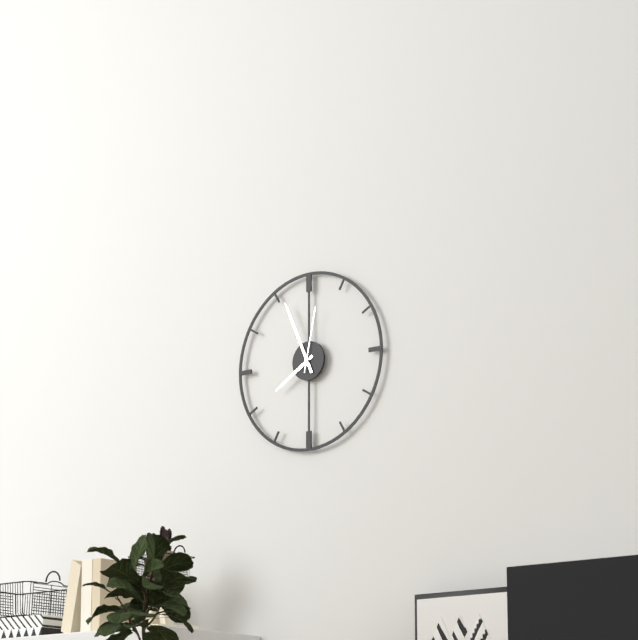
7h56m02s
